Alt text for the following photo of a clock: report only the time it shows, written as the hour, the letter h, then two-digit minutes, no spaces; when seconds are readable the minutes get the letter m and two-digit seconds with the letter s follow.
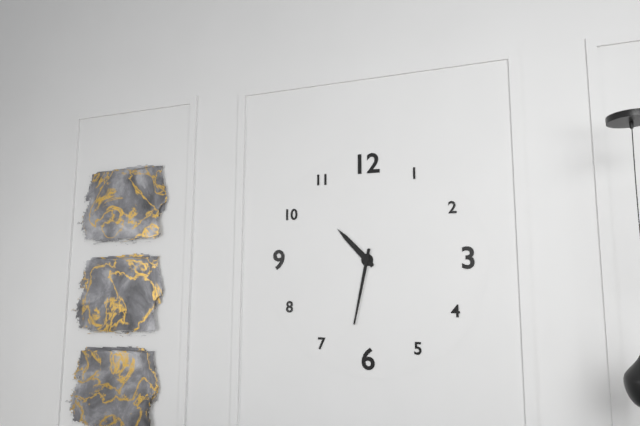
10h32
